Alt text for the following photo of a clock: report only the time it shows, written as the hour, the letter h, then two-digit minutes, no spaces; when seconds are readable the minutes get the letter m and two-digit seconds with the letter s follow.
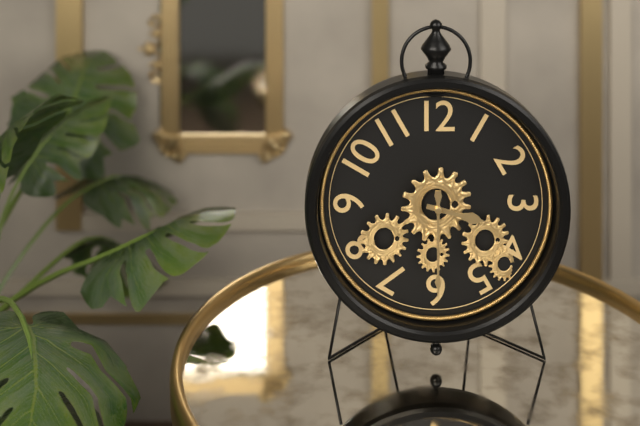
3h30
